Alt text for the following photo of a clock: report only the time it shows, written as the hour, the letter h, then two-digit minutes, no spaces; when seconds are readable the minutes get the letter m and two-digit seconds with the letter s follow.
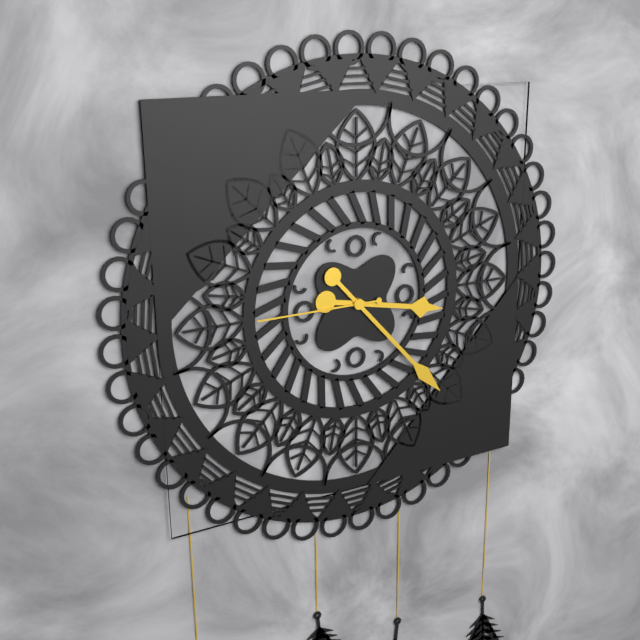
3h23m45s
